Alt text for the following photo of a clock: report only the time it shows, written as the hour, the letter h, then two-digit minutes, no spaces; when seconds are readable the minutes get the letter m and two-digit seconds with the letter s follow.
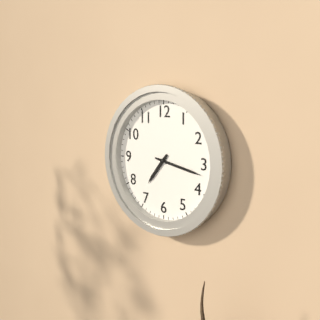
7h17
